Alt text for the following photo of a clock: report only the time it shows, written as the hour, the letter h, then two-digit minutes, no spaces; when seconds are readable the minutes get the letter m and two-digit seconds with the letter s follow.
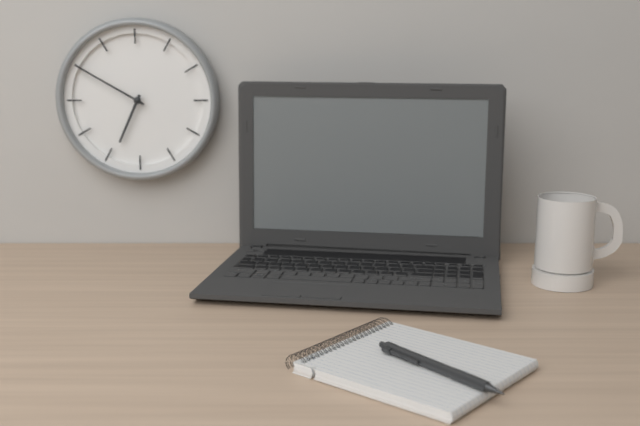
6h50
